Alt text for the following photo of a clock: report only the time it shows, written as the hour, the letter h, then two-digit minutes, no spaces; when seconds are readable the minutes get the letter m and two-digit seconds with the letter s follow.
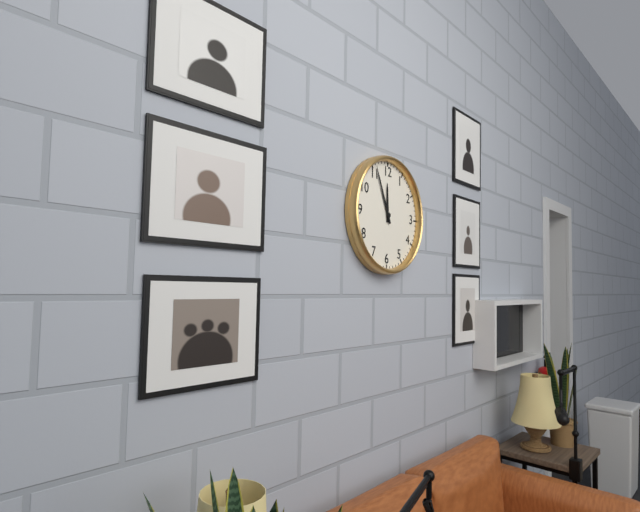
11h56
